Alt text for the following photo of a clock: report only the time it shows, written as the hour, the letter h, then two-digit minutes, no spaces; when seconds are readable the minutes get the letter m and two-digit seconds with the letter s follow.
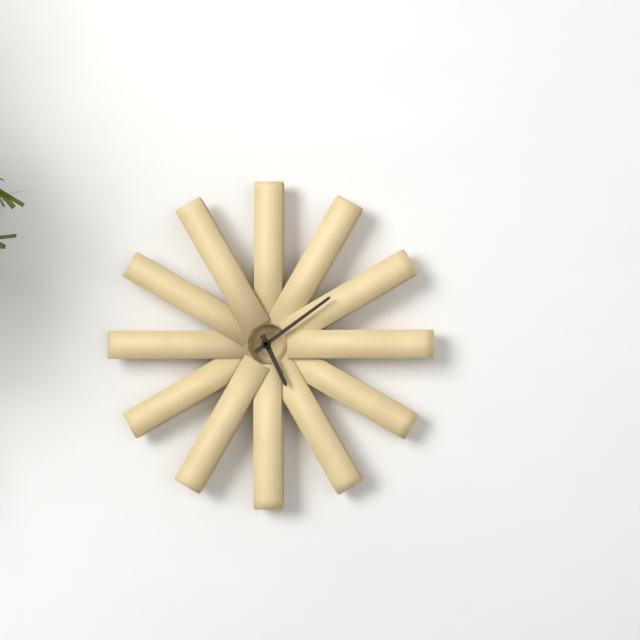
5h09
